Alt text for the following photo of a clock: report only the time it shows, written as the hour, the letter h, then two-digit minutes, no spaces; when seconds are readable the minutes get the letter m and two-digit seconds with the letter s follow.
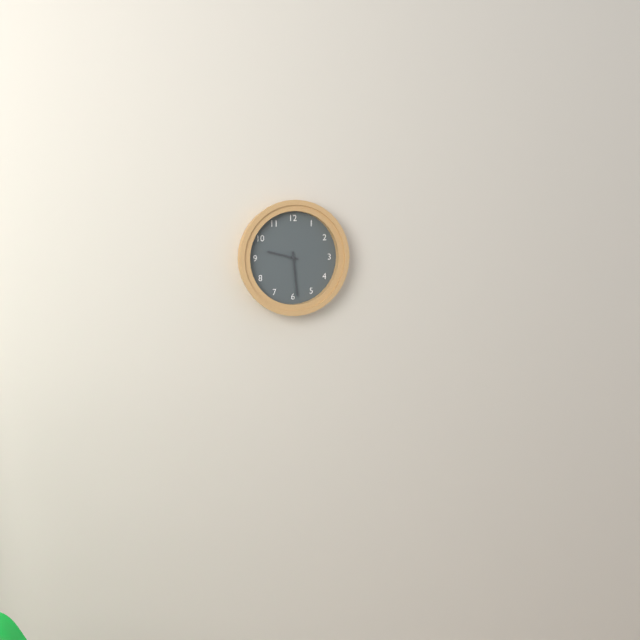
9h29
